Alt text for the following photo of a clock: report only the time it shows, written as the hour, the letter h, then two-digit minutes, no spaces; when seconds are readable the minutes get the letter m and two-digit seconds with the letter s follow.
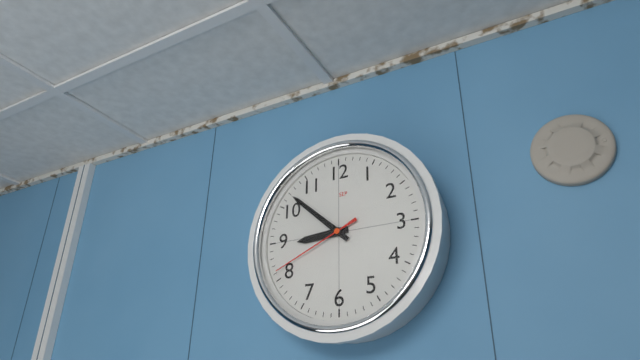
8h52m41s
